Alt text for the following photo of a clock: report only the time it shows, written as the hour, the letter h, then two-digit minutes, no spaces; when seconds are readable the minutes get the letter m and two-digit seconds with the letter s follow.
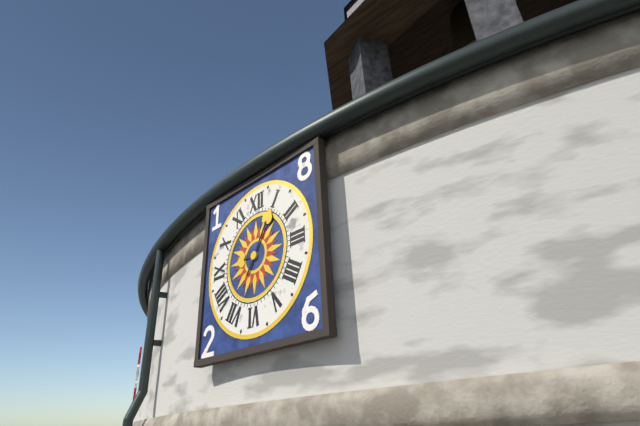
9h05
